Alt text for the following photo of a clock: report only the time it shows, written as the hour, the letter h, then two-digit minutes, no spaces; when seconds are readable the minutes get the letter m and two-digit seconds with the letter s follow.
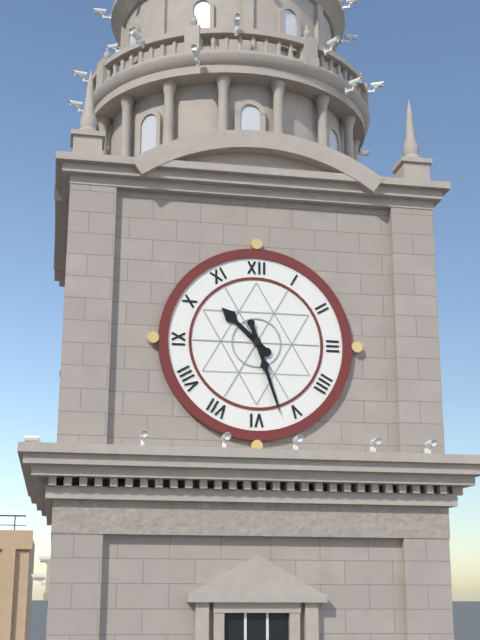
10h27
